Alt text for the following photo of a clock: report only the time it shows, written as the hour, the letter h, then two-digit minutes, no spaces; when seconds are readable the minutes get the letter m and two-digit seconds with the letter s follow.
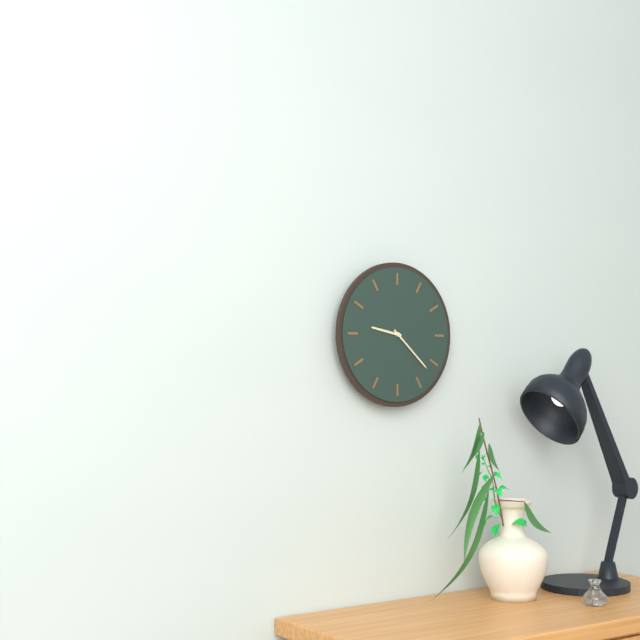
9h22
